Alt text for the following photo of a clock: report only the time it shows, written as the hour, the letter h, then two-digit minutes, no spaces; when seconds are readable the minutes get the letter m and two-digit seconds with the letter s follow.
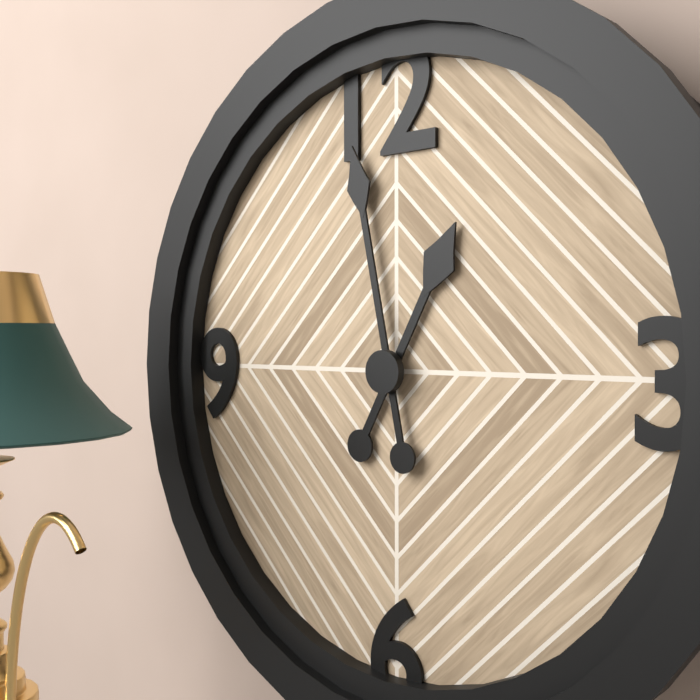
12h58
